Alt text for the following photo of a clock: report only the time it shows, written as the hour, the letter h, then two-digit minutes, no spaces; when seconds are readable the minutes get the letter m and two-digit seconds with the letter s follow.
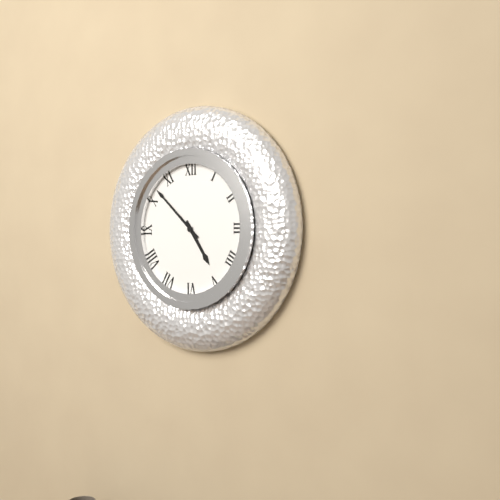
4h52
